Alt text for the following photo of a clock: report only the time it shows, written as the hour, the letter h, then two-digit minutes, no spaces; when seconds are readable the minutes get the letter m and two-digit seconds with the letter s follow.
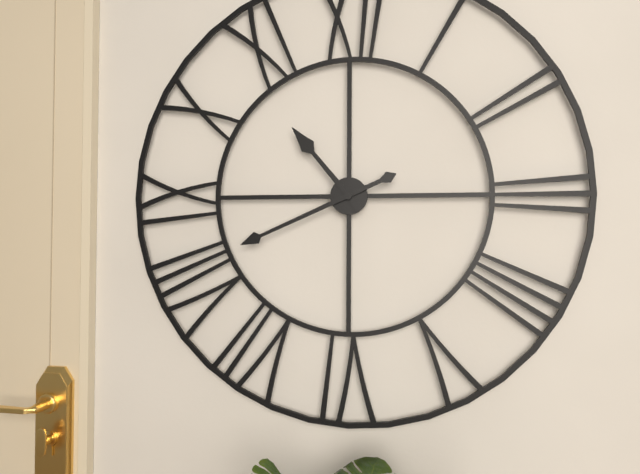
10h41
